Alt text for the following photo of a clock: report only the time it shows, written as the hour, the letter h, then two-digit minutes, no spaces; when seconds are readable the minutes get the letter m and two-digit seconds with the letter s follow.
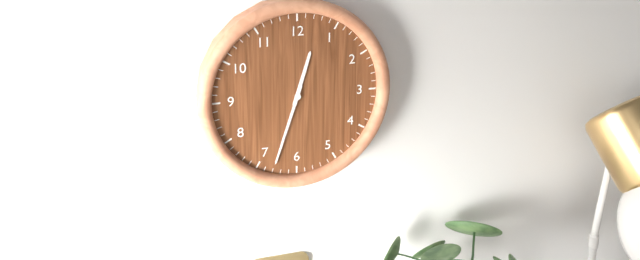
12h33
